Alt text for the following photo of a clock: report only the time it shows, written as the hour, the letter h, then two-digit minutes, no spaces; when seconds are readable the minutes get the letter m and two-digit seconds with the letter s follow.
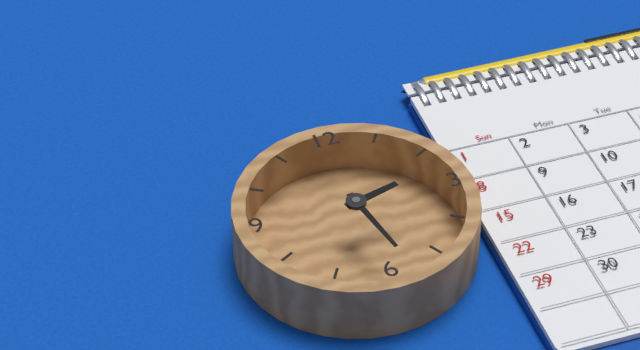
2h28
